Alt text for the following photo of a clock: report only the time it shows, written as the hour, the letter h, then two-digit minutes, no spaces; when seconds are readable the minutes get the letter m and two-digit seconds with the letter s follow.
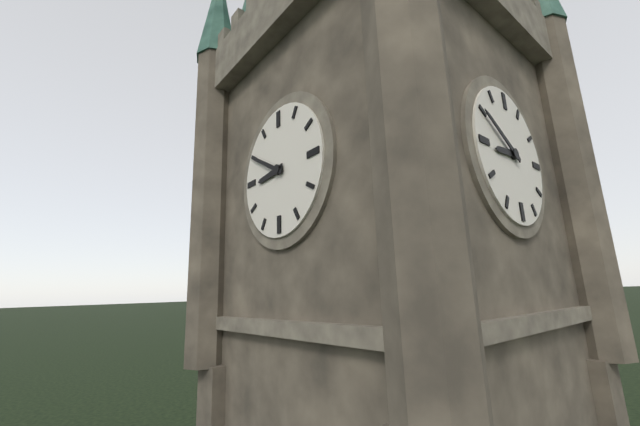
8h50
